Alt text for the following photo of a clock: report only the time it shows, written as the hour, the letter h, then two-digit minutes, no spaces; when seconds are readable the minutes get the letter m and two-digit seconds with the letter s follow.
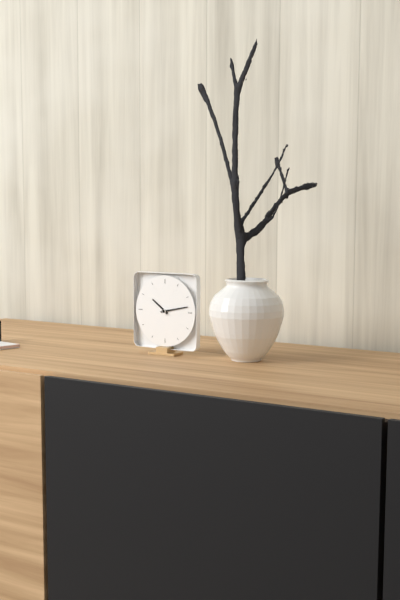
10h13
